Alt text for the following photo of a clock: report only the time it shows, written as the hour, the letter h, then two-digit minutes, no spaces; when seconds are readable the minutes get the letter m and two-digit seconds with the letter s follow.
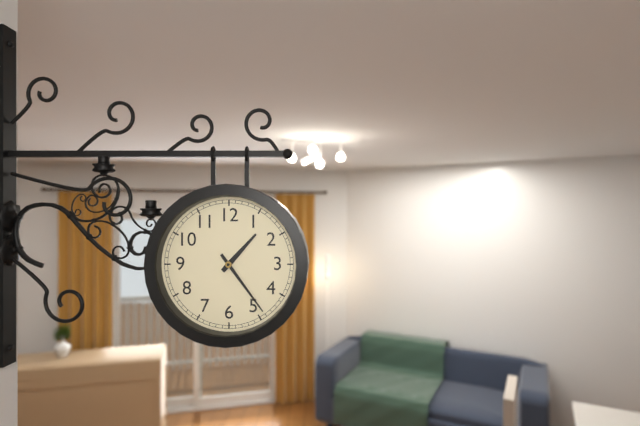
1h24
